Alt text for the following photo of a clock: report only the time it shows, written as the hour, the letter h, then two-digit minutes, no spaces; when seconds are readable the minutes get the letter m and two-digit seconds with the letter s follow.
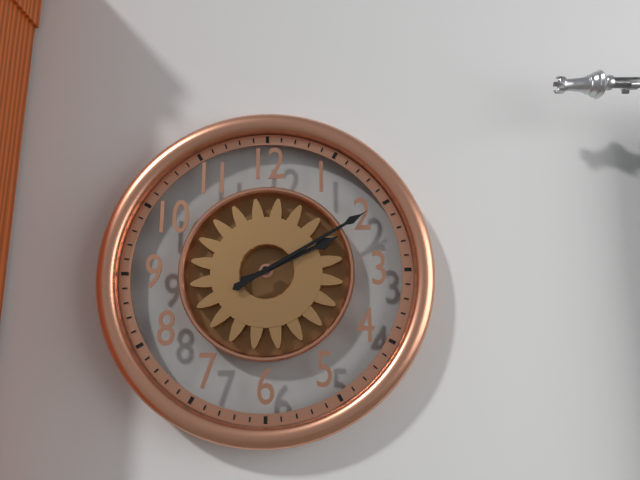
2h10
